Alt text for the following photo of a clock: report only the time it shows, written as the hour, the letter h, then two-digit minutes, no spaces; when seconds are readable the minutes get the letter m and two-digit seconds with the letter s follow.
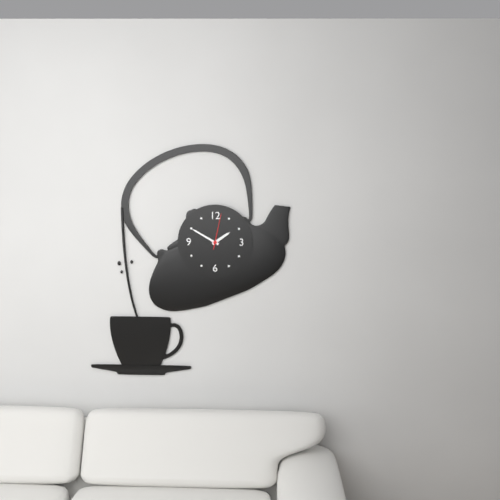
1h50
